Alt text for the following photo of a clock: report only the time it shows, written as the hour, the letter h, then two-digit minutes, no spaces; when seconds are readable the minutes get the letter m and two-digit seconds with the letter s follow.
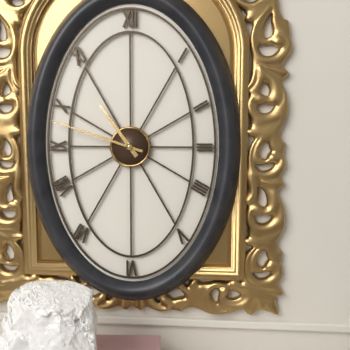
10h48
